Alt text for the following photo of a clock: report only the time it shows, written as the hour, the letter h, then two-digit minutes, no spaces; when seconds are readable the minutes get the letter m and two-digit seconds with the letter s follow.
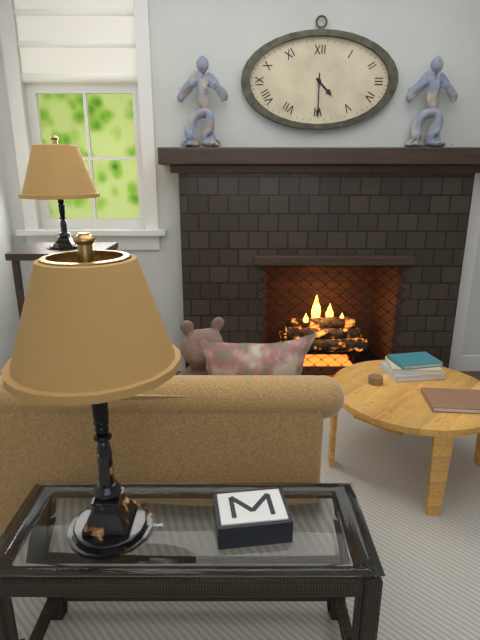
4h30
